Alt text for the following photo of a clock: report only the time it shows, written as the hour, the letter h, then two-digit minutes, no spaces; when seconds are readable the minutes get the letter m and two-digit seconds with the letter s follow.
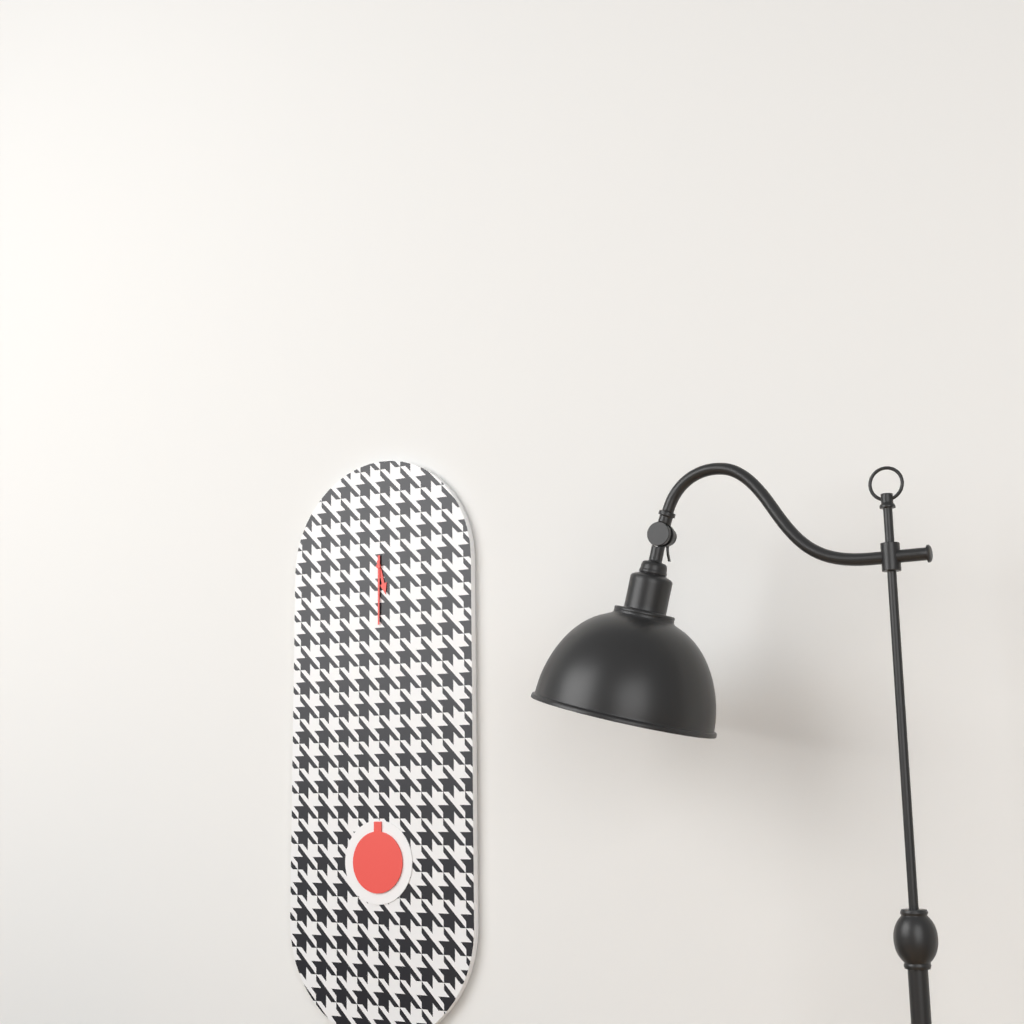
5h30
